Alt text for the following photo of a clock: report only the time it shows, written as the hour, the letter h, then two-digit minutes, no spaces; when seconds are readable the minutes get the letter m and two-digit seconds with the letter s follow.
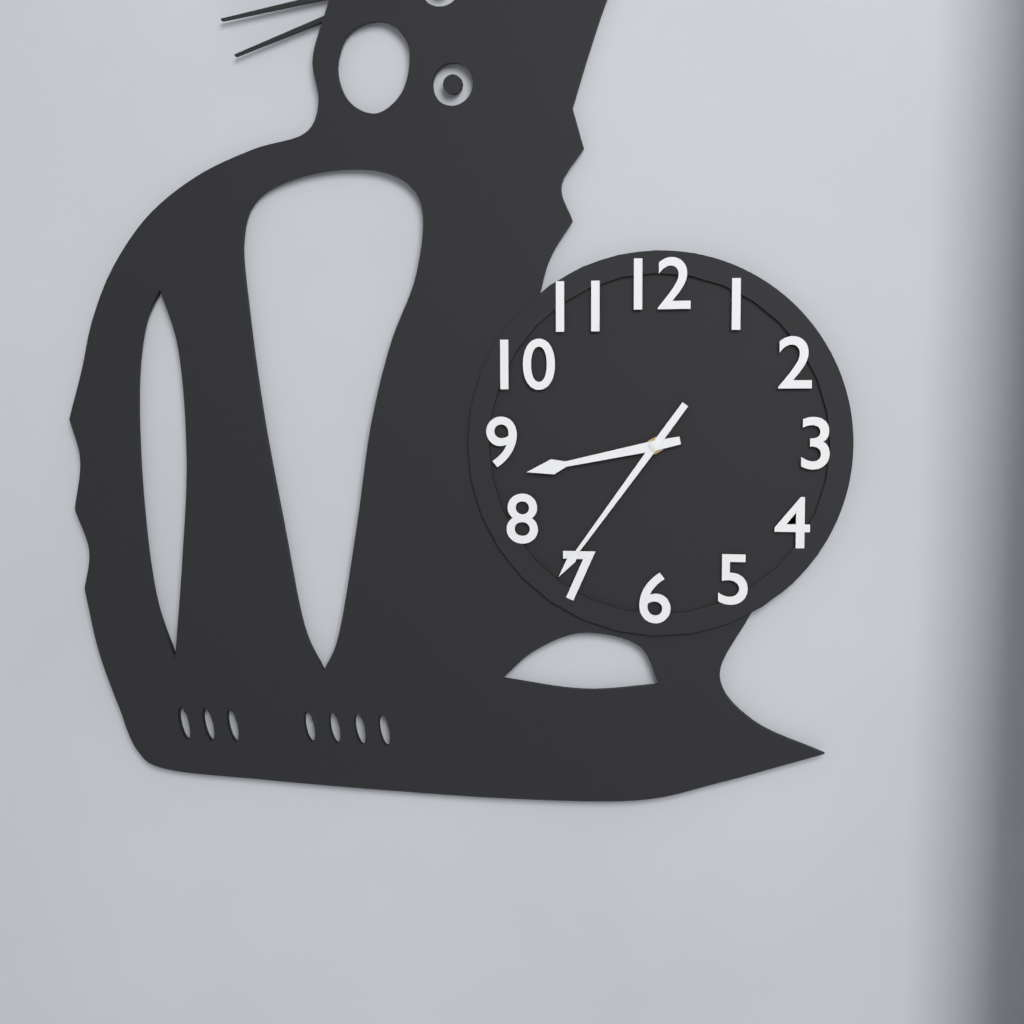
8h36
